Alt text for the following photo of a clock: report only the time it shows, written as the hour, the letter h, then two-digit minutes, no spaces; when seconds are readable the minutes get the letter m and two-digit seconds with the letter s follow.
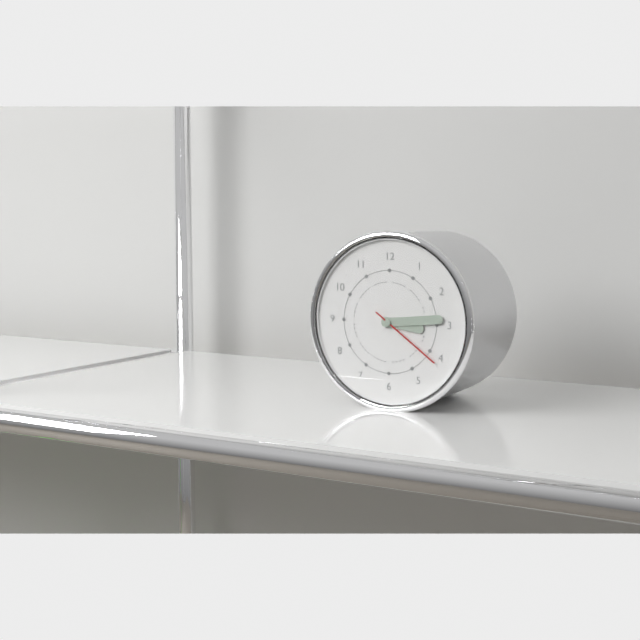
3h14m21s
